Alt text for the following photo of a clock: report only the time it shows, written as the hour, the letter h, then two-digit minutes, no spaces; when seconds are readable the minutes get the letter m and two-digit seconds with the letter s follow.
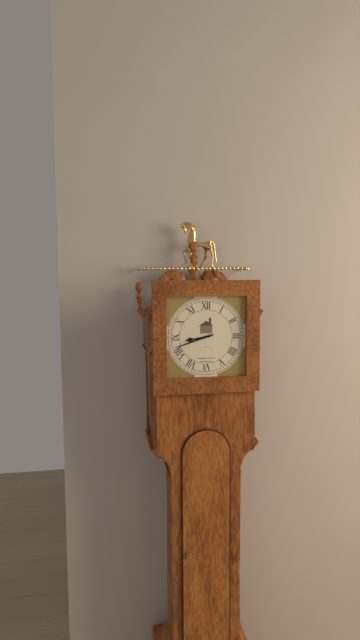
8h42
